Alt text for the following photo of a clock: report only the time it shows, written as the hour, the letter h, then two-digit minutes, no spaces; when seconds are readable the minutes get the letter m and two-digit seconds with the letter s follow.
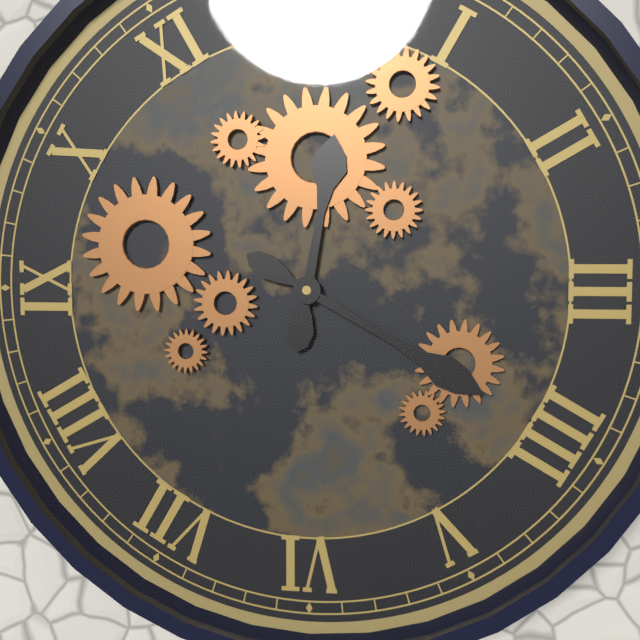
12h20
